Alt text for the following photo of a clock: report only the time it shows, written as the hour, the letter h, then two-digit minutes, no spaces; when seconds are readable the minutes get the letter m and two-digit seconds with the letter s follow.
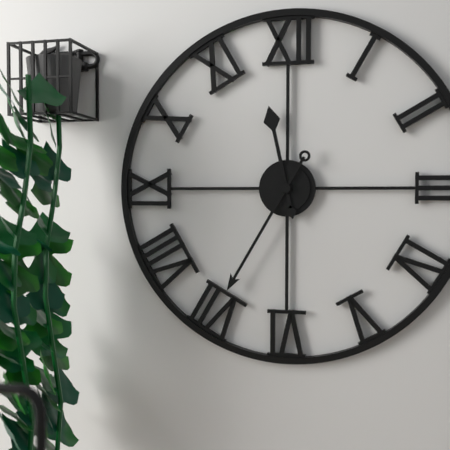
11h35
